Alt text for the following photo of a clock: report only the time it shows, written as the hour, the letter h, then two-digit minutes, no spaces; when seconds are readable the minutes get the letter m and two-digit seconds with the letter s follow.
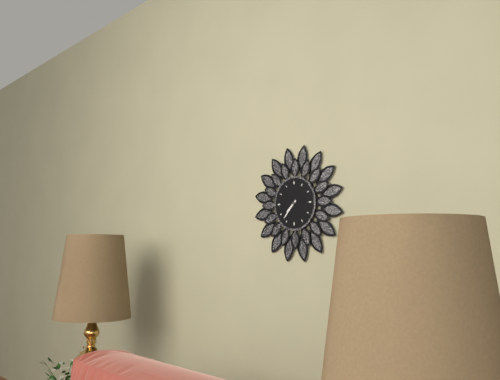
7h37
